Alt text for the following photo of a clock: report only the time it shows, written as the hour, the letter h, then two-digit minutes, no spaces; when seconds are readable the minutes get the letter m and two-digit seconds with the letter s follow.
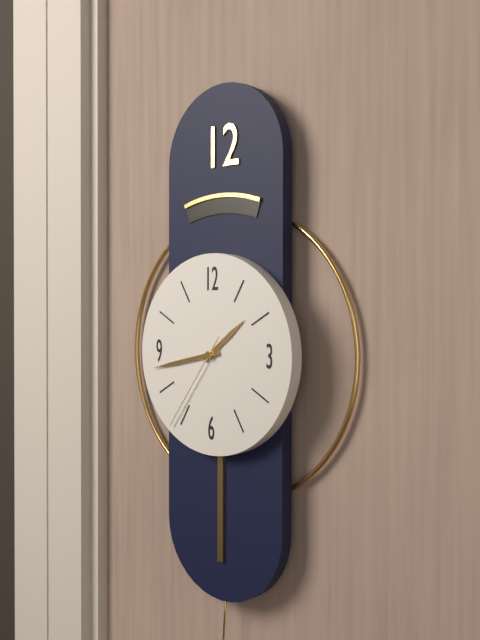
1h43m36s
